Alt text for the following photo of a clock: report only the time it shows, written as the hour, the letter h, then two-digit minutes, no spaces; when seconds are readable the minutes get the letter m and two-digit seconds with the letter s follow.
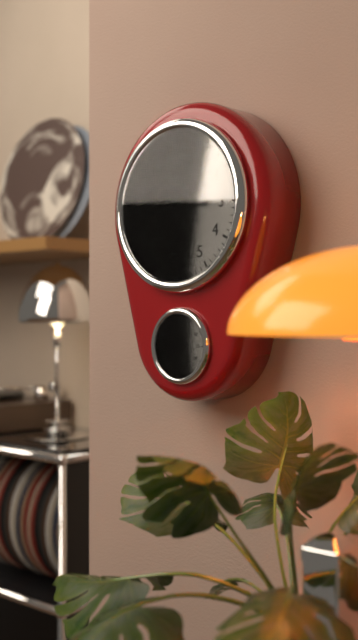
3h00m02s
